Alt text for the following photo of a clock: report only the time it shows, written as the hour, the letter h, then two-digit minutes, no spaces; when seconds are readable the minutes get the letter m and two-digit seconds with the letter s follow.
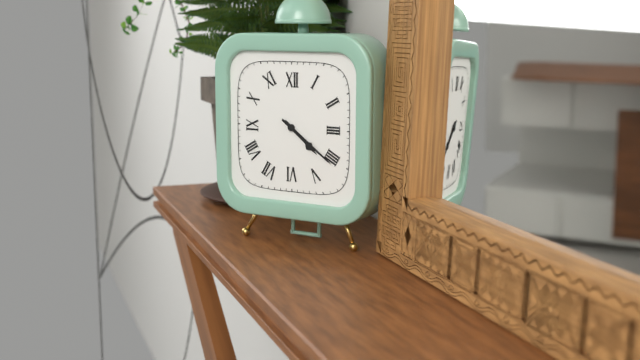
4h21
